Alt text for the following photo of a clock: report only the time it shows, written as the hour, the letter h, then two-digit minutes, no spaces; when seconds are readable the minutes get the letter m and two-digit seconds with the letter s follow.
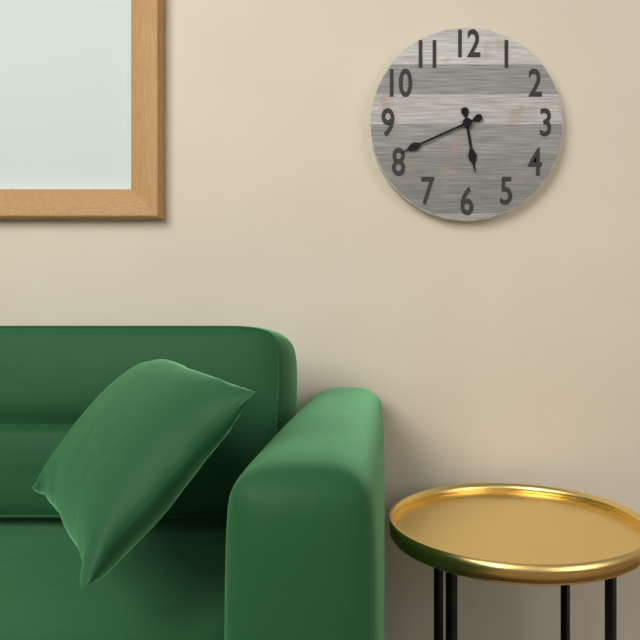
5h41
